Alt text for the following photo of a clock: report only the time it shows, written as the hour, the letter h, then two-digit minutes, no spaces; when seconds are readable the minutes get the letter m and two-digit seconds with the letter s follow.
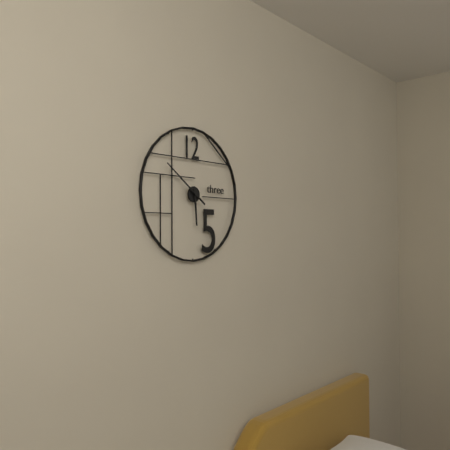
5h51
